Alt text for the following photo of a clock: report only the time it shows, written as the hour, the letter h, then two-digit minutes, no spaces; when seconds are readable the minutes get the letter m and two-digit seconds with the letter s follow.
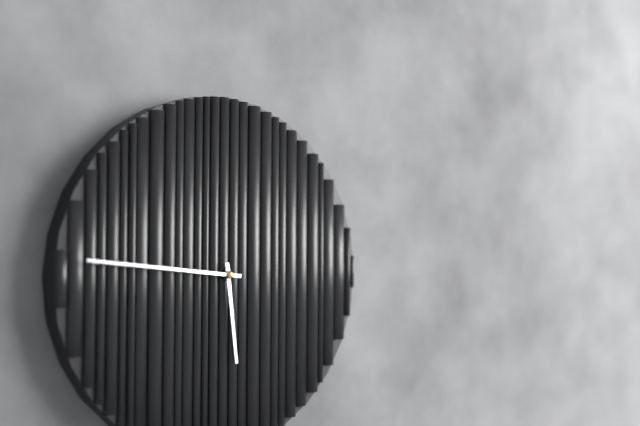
5h46
